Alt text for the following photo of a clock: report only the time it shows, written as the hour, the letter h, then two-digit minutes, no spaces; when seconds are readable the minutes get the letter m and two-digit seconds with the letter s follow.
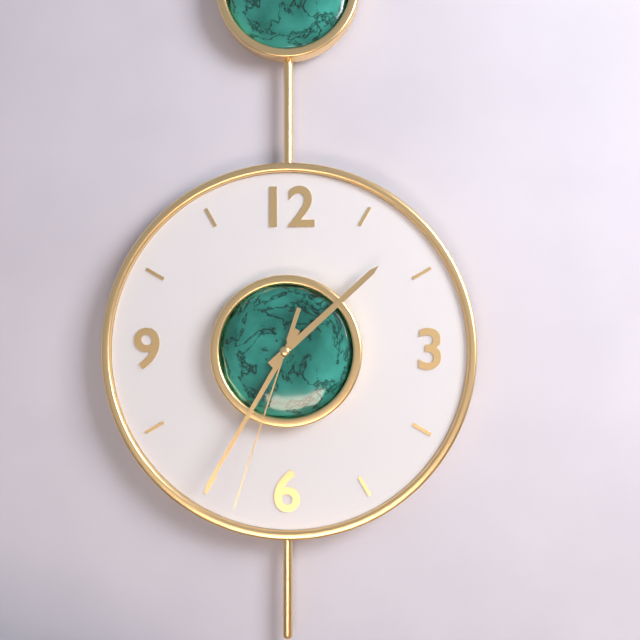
1h35m33s
